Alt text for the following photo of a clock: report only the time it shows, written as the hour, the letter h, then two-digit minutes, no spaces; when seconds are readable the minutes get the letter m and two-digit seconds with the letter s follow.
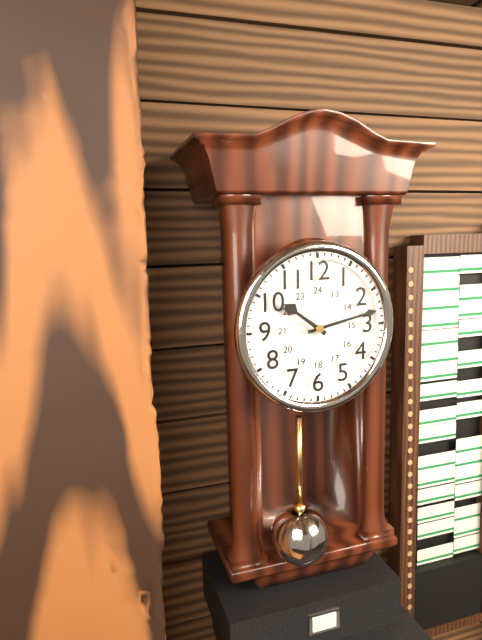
10h13
